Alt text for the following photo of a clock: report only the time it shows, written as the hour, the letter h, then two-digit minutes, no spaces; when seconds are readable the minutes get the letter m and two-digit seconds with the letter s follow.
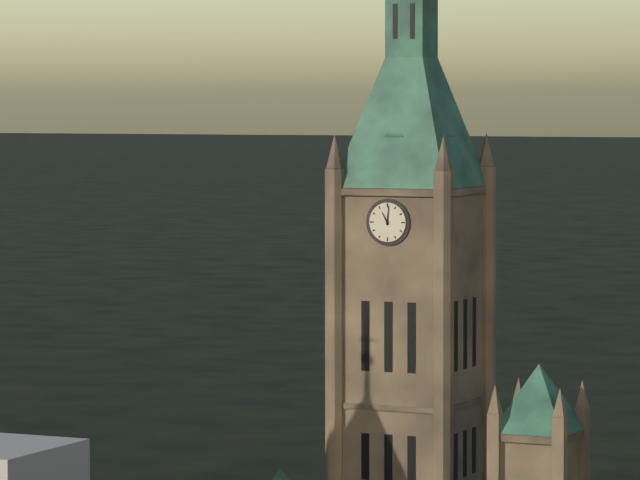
11h01
